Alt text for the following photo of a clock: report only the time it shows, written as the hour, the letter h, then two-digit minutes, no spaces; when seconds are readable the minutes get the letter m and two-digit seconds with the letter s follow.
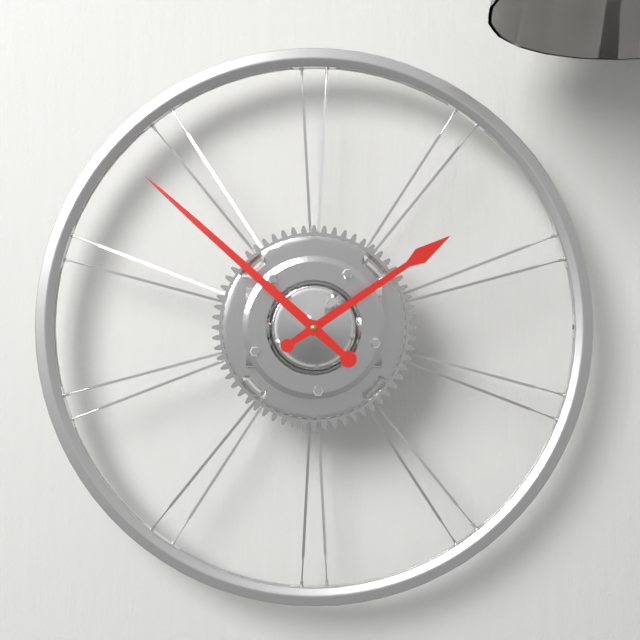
1h52
